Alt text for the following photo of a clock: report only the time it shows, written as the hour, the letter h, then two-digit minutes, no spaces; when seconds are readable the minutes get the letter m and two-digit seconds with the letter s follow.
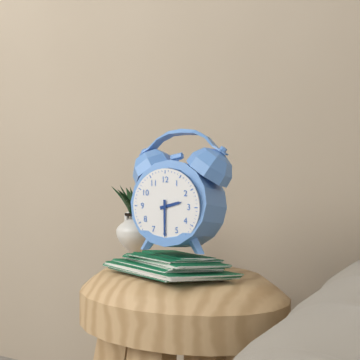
2h30
